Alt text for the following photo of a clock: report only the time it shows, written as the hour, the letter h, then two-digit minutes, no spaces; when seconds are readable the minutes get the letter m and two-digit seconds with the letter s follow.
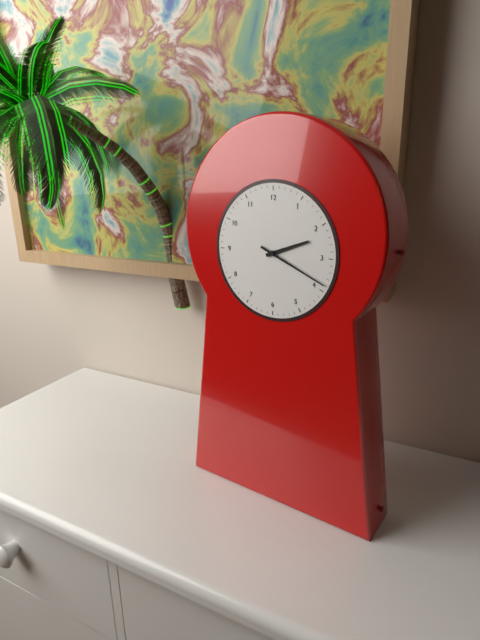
2h19
